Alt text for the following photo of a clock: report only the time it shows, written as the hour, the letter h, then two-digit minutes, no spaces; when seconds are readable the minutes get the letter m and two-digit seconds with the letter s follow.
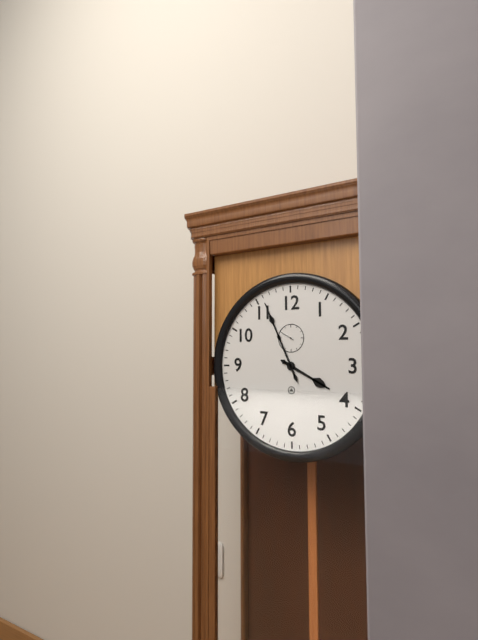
3h56
